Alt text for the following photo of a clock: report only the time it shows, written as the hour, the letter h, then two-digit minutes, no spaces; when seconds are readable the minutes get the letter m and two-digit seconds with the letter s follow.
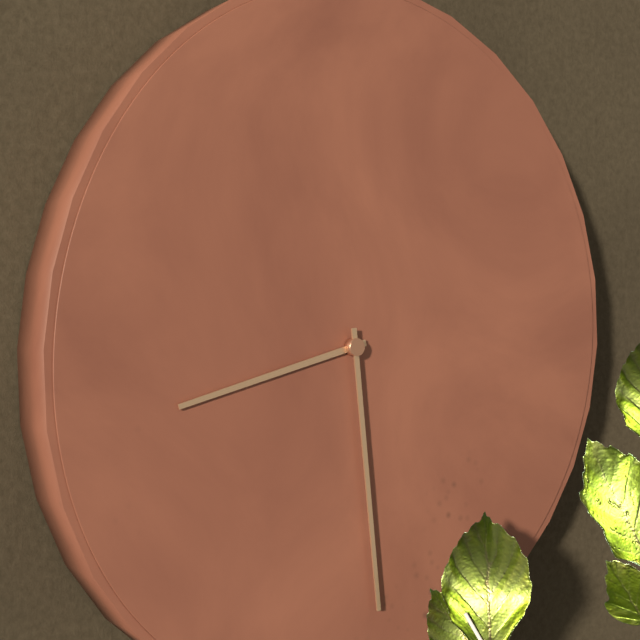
8h29
